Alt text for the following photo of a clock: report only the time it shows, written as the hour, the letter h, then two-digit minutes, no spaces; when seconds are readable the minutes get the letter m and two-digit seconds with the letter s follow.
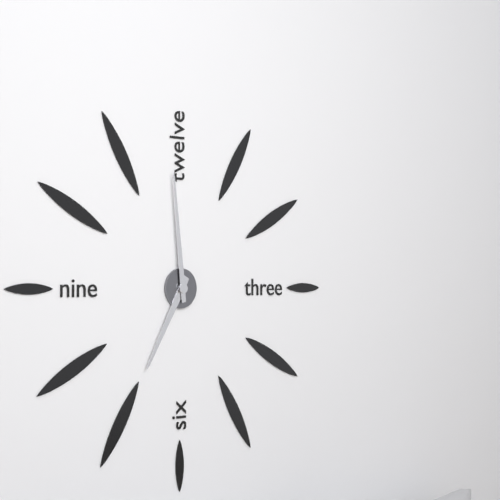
6h59
